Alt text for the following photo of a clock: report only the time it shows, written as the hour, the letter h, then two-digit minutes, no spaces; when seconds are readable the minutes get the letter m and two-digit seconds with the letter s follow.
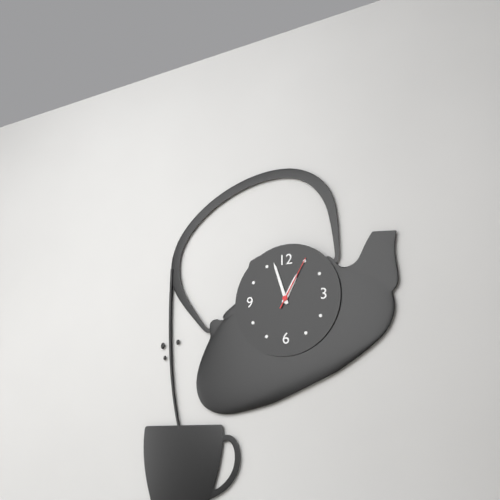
12h57m05s
